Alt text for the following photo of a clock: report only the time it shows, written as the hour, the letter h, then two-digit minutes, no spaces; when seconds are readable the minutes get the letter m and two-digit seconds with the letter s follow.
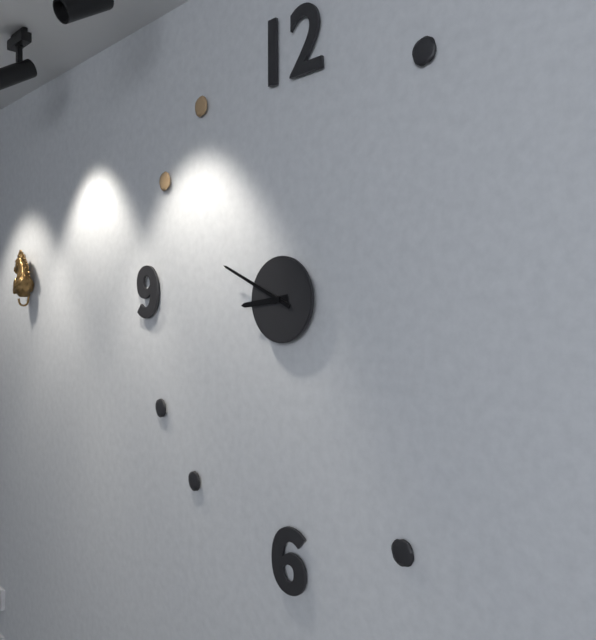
8h49
